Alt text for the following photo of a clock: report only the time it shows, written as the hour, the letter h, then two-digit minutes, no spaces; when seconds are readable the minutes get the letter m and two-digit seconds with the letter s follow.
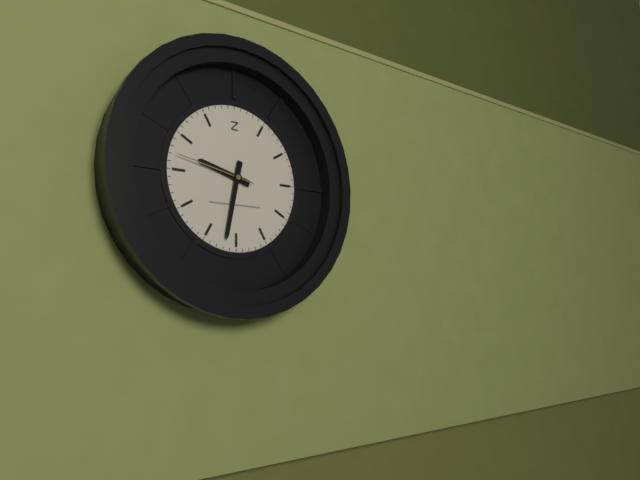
9h32m47s
